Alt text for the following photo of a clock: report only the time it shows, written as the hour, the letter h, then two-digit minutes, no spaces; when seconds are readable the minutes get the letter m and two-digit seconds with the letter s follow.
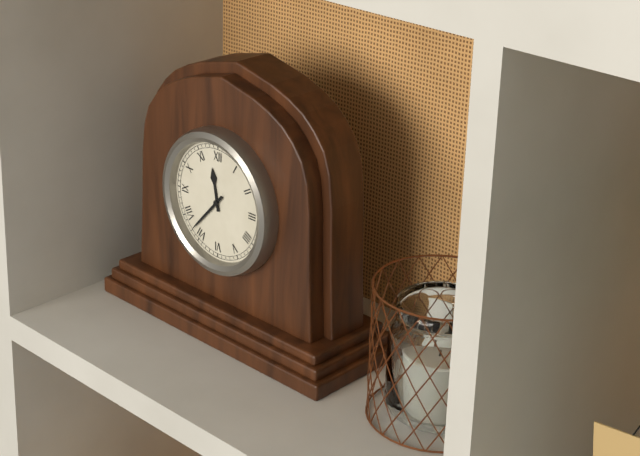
11h37
